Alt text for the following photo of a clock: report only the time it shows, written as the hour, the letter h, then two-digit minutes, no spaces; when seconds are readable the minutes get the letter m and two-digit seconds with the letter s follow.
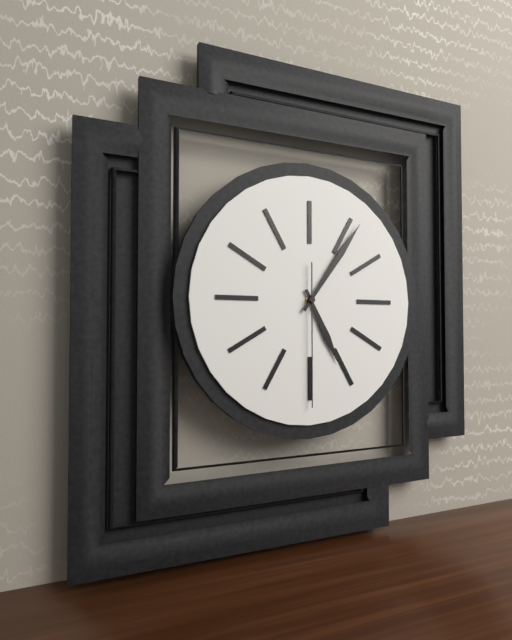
5h06m30s
